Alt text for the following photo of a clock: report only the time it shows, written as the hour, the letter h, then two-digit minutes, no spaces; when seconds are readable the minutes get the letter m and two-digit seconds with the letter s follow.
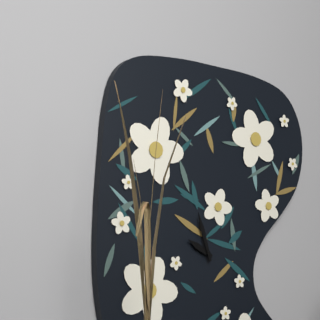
9h57
